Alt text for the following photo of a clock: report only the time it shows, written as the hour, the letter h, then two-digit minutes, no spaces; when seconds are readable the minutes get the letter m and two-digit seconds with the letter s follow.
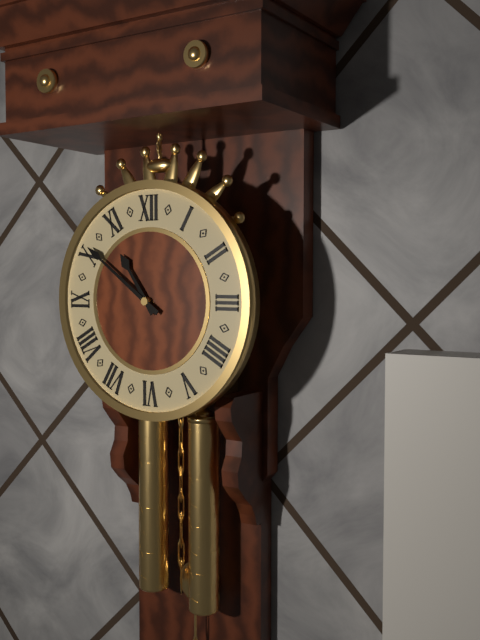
10h51
